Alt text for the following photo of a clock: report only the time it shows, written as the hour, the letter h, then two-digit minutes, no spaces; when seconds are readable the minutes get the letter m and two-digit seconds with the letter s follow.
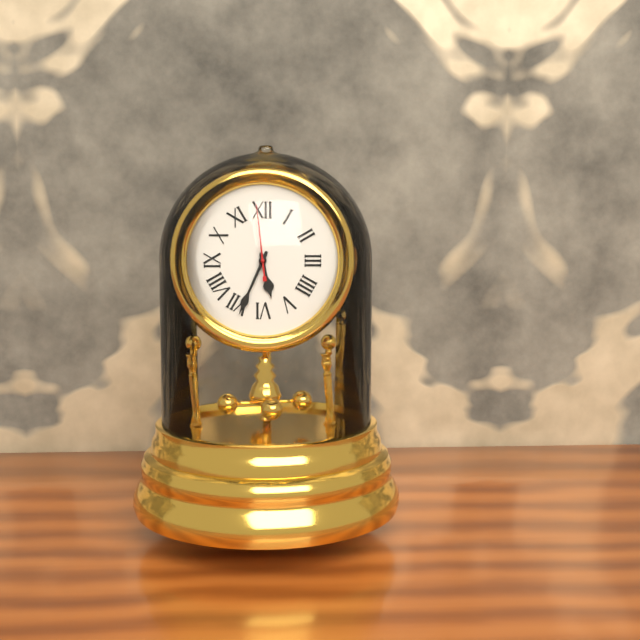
5h34m59s
